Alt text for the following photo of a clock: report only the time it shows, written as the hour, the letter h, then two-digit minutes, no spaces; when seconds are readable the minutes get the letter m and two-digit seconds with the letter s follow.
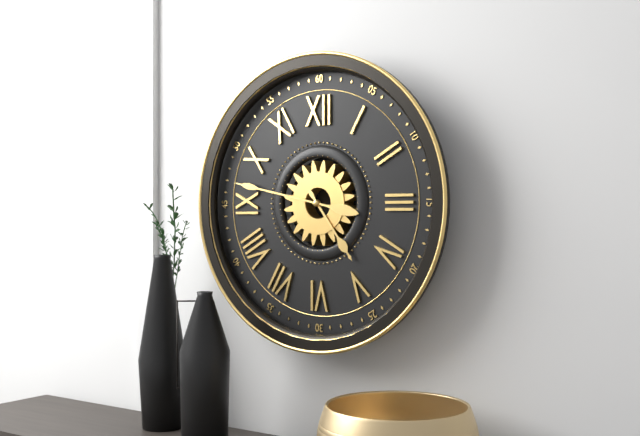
4h47
